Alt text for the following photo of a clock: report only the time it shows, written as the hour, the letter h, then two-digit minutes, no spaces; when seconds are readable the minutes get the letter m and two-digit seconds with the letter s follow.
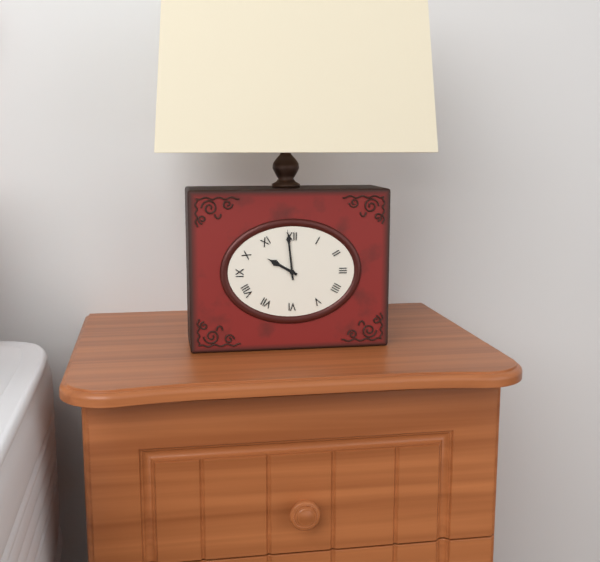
9h59
